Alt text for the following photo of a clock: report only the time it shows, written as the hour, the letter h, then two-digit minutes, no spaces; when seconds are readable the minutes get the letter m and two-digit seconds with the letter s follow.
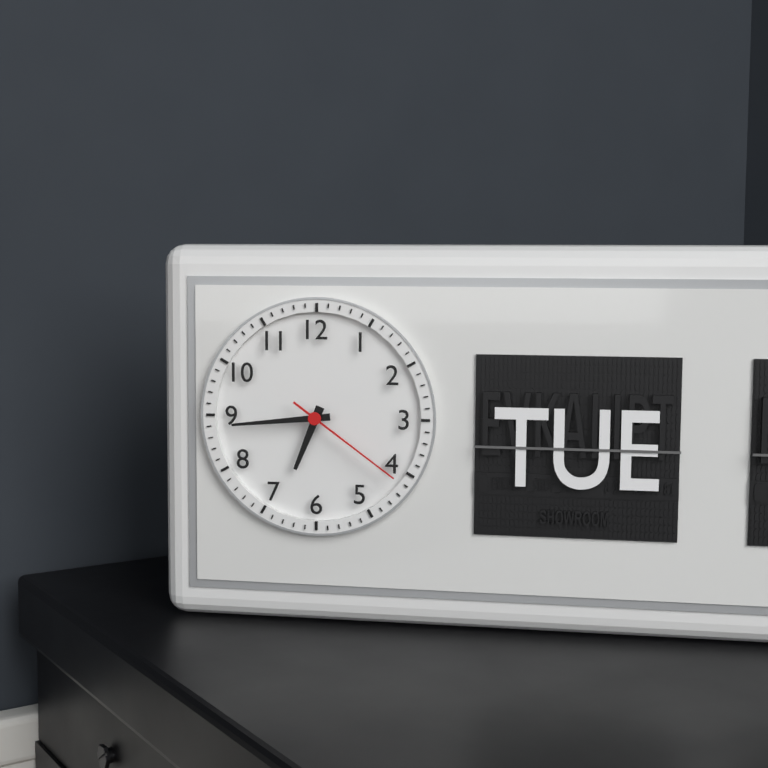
6h44m21s
